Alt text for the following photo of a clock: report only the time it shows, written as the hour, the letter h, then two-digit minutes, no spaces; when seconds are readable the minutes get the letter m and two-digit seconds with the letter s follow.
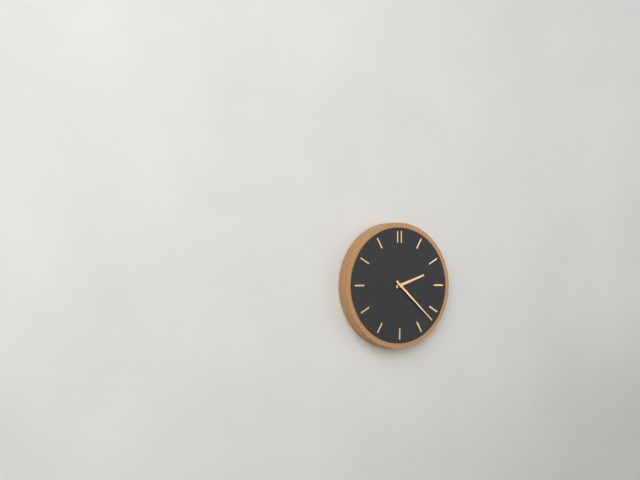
2h22
